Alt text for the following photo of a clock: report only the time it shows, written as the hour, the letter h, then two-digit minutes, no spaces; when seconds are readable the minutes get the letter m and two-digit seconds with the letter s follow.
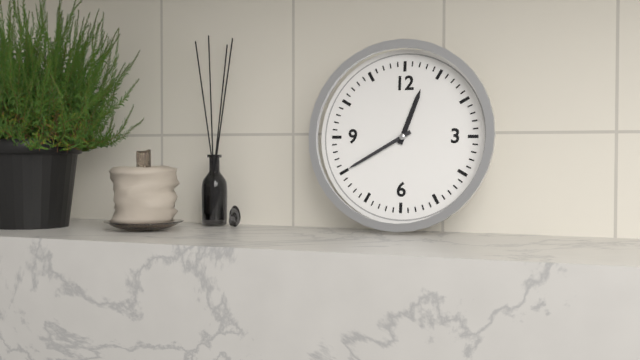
12h40
